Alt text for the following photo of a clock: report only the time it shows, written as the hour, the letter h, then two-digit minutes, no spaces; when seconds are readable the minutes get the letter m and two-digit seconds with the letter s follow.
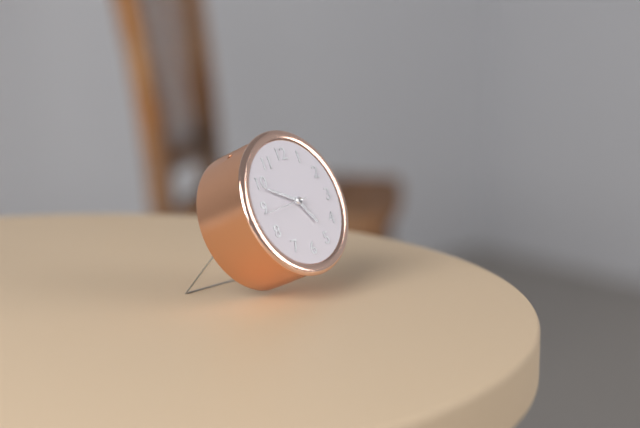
4h49
